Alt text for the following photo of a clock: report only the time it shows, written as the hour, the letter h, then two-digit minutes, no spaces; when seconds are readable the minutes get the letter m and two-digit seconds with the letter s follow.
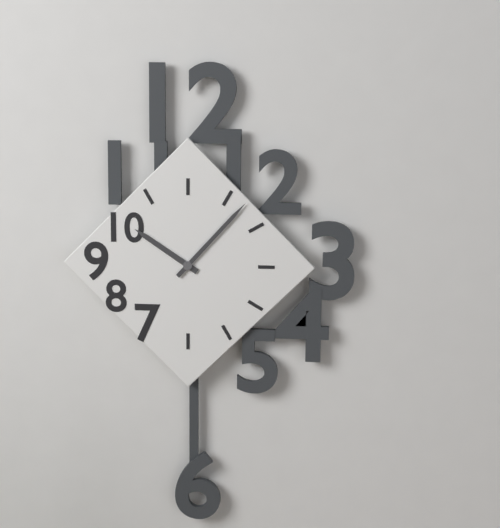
10h07
